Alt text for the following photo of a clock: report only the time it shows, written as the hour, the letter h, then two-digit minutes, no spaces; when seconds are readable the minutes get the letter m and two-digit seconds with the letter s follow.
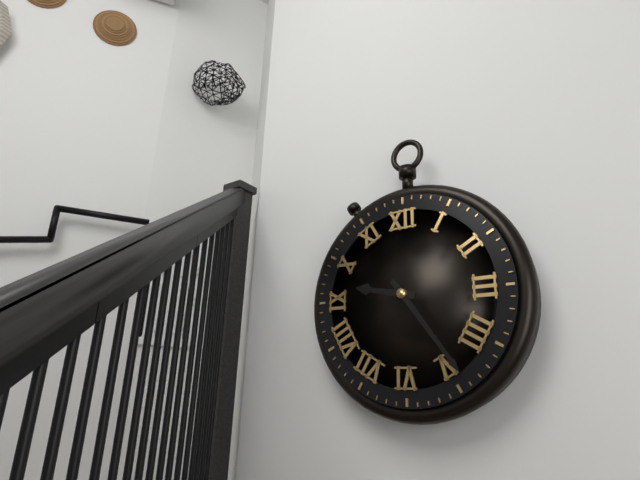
9h24
